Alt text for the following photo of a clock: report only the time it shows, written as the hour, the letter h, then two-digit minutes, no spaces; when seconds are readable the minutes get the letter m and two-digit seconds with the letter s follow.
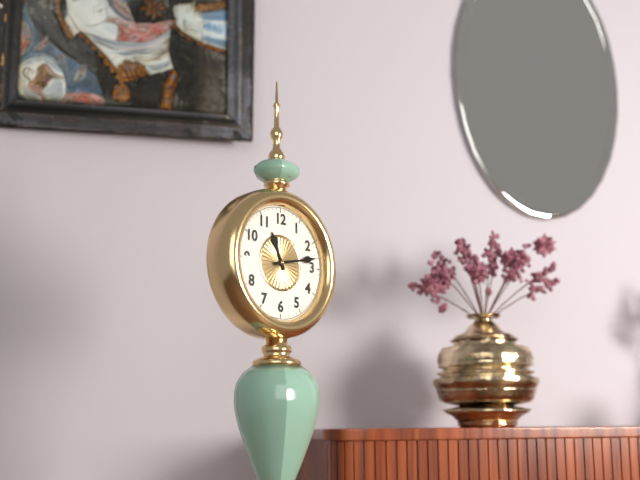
11h13
